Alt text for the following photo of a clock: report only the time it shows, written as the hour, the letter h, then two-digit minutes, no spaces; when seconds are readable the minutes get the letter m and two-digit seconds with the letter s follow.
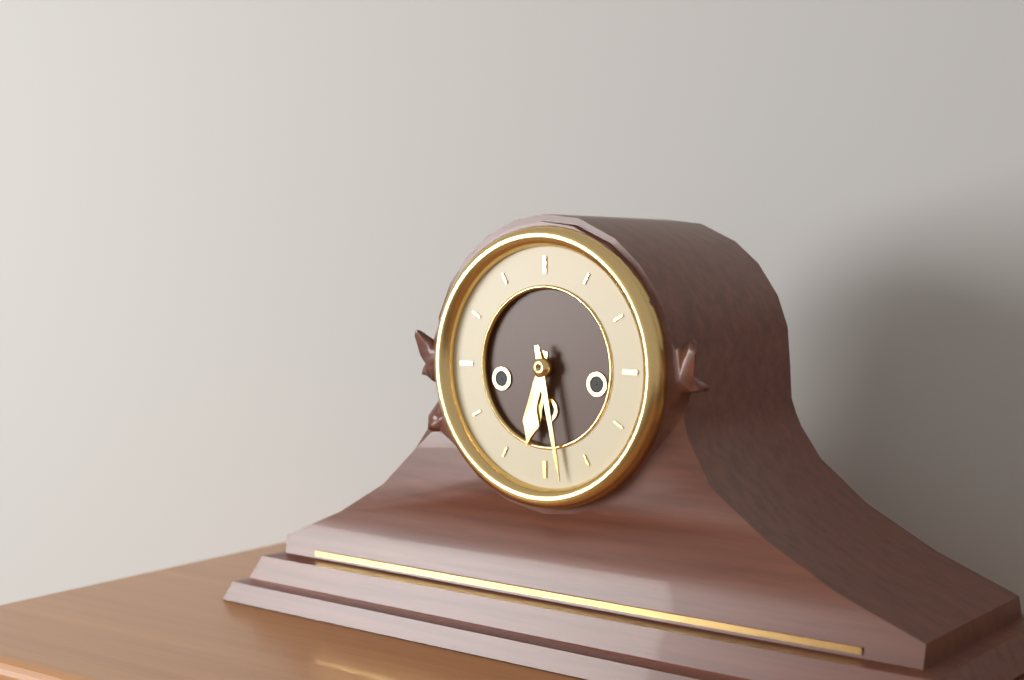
6h28
